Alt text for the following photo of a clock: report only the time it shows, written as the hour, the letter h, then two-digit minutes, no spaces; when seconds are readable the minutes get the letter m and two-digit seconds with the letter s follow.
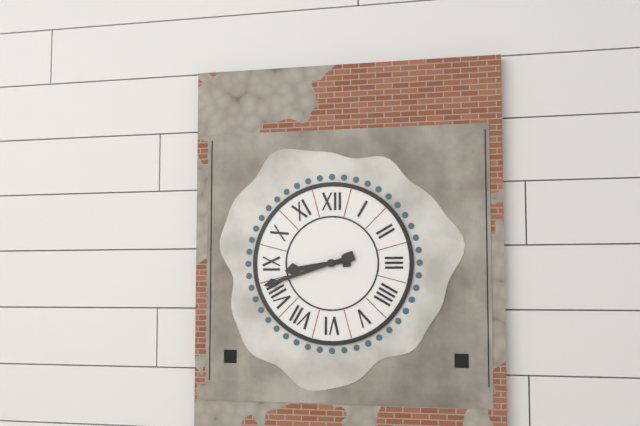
8h42
